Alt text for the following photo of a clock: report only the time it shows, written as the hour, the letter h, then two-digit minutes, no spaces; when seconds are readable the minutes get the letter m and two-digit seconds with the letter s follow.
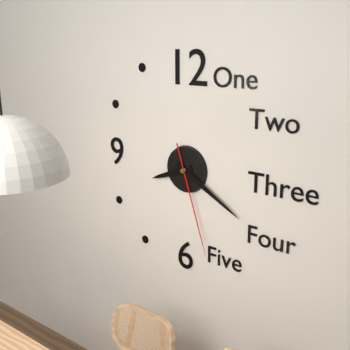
8h20m27s
